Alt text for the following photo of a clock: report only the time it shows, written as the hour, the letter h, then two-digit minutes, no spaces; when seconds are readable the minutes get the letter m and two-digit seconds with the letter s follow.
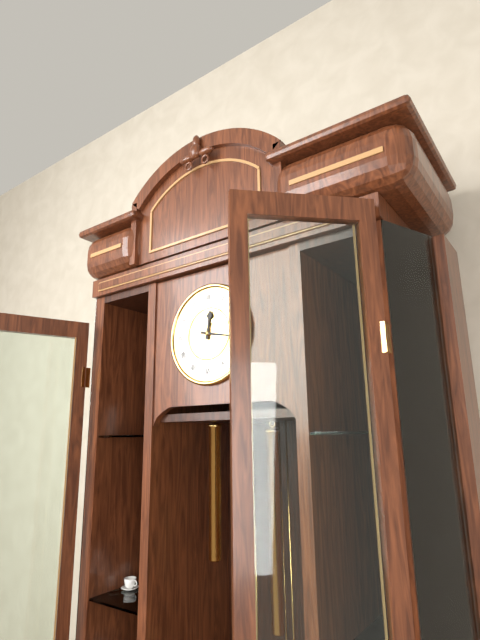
12h17
